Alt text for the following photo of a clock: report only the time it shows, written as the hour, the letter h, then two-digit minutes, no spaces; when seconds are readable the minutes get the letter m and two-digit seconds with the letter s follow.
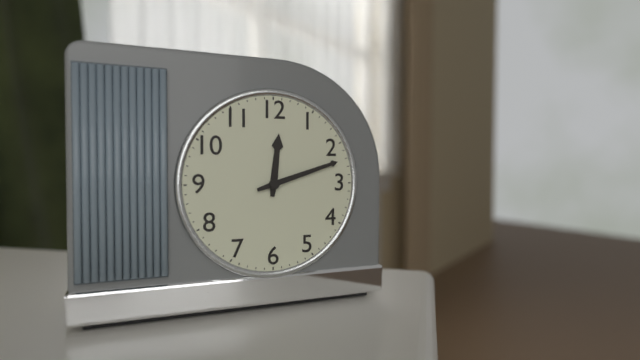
12h12
